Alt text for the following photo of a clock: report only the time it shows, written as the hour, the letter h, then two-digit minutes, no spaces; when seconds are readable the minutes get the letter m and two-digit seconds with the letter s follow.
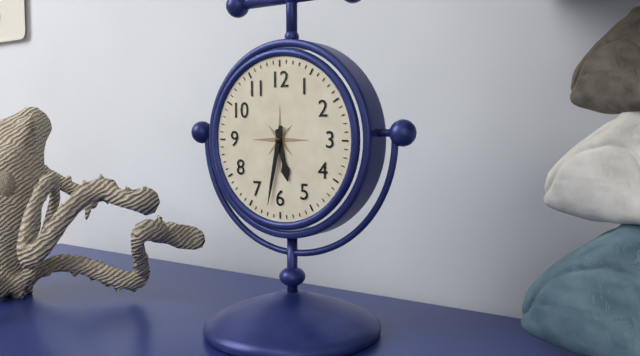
5h32
